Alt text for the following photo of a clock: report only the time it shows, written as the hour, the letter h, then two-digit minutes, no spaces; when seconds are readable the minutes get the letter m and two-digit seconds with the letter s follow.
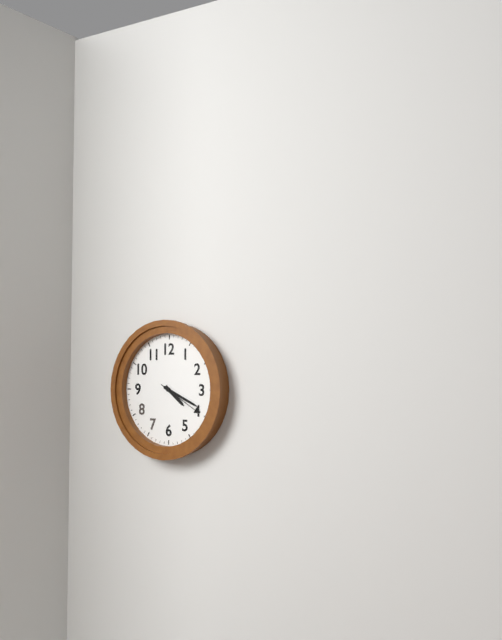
4h19
